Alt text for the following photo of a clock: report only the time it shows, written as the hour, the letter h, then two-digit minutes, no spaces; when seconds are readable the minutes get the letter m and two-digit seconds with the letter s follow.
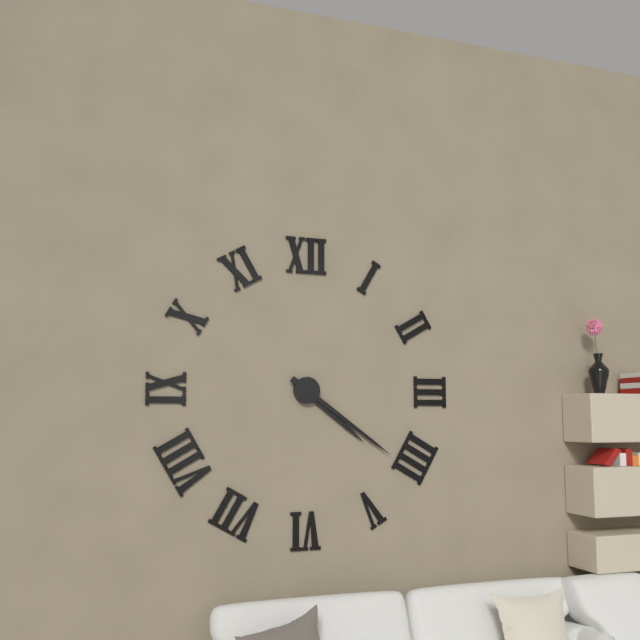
4h21
